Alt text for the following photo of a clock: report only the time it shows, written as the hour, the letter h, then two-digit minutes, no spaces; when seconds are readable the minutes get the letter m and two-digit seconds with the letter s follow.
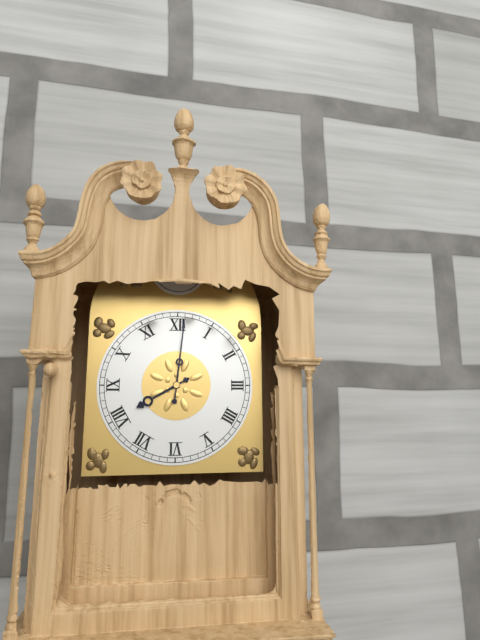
8h01
